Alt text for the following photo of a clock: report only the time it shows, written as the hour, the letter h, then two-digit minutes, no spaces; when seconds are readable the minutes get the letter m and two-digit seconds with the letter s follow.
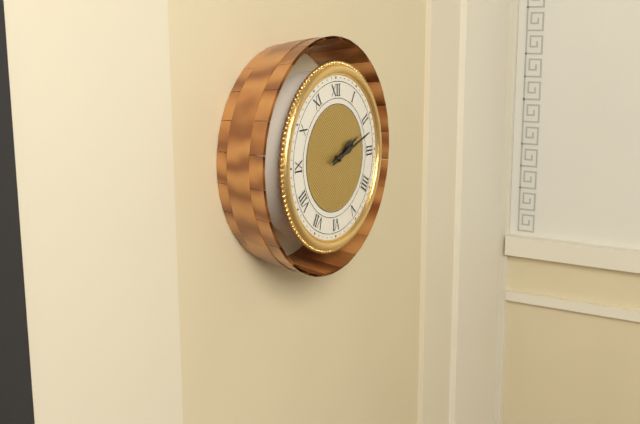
2h12
